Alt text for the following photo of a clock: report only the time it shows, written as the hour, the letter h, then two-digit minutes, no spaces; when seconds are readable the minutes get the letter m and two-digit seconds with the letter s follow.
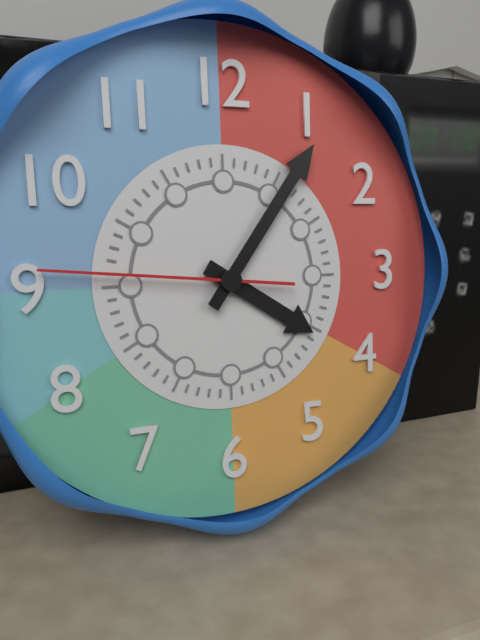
4h06m46s
